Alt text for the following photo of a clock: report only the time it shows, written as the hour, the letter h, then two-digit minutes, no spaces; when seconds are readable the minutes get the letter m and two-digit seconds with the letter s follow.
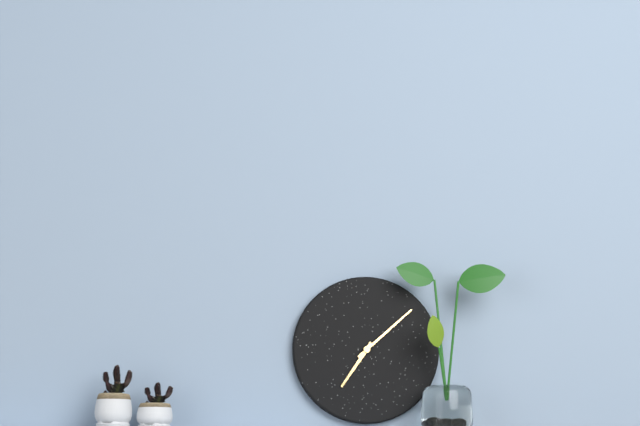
7h08
